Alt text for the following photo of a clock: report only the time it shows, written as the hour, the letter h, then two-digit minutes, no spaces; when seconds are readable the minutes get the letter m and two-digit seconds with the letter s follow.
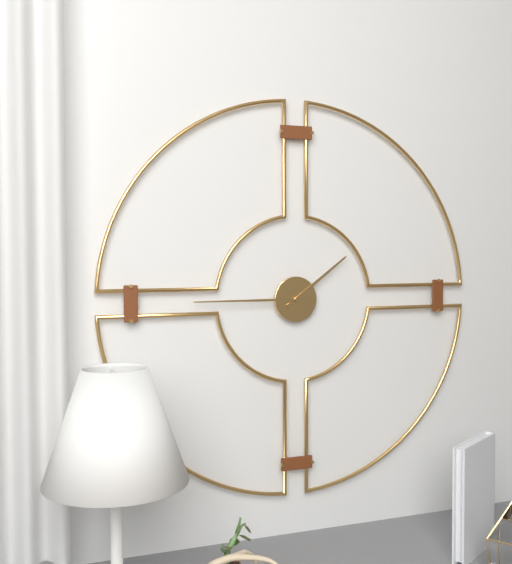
1h45
